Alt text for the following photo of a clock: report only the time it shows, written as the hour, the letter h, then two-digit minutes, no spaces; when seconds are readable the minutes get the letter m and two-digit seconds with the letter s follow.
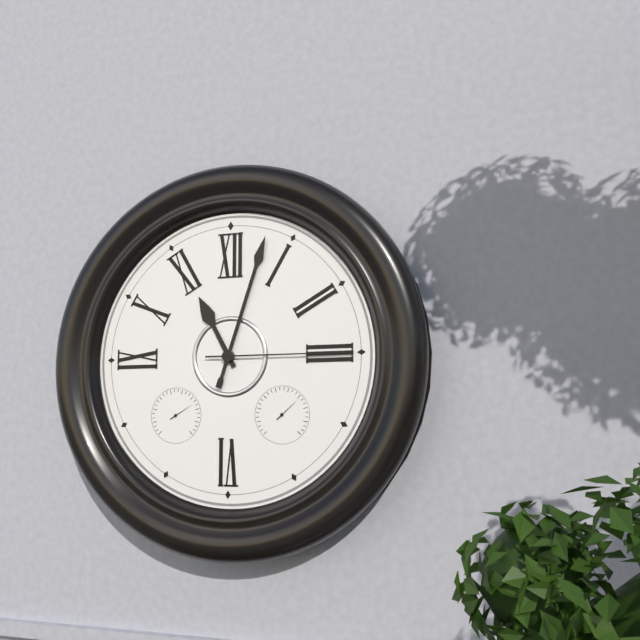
11h03m15s
